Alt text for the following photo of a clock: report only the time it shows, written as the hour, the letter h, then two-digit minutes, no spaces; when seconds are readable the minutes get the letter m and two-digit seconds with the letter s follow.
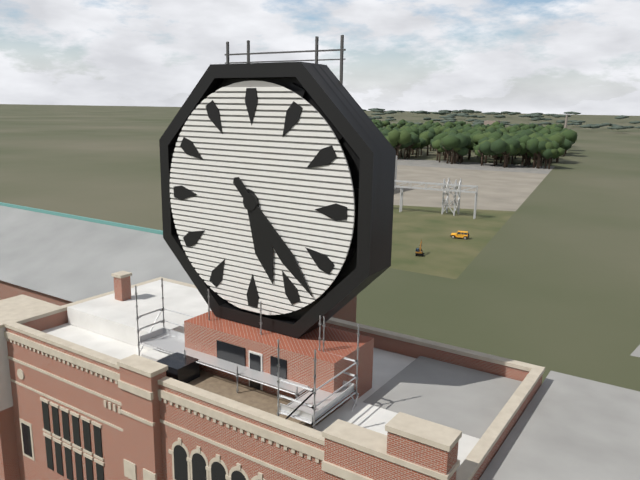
5h23
